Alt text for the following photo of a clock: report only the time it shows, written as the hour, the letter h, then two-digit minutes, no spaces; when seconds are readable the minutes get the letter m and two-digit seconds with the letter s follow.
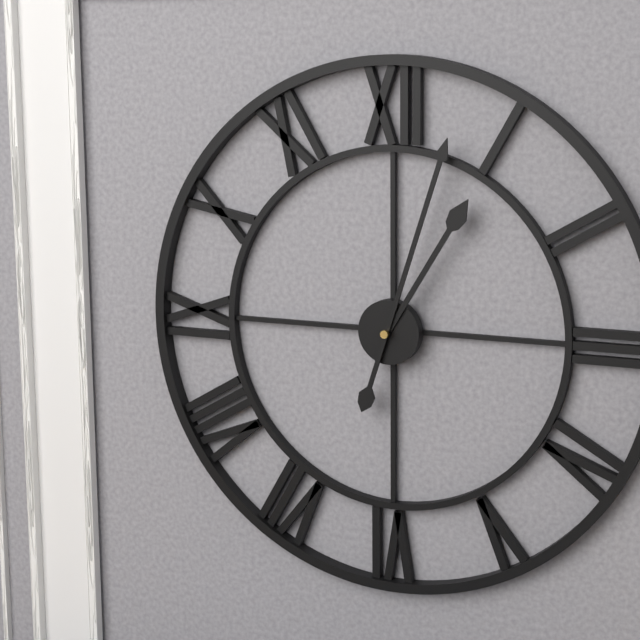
1h03
